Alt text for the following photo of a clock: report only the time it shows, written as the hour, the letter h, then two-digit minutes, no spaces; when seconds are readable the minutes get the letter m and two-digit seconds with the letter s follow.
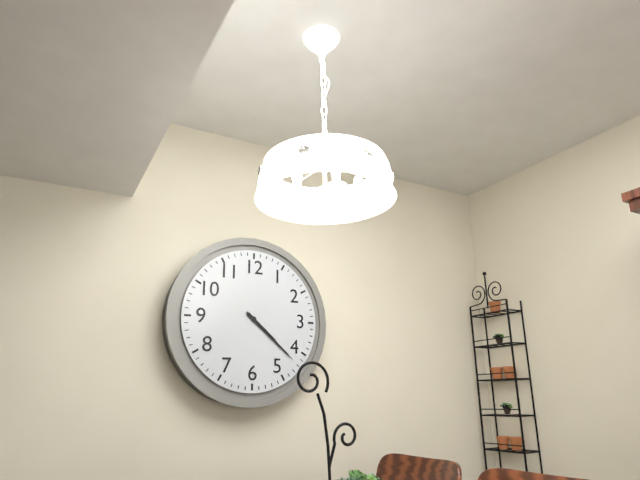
4h22
